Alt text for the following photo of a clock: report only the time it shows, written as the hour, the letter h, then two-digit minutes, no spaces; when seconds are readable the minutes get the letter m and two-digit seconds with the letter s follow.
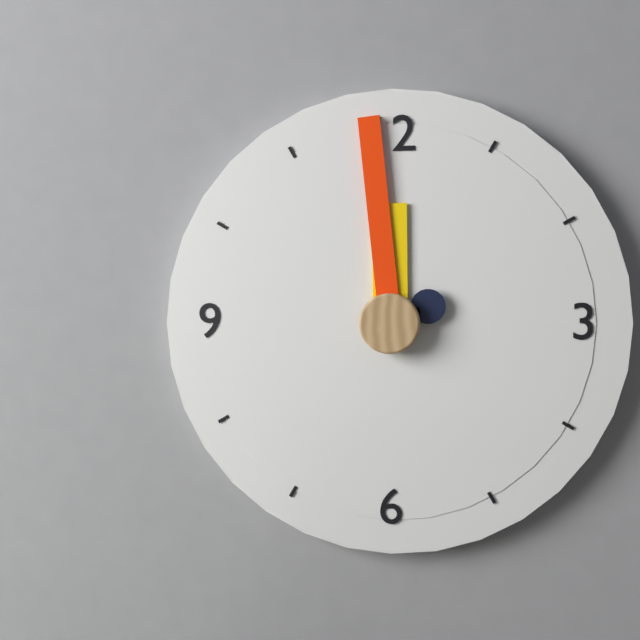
11h59m11s
